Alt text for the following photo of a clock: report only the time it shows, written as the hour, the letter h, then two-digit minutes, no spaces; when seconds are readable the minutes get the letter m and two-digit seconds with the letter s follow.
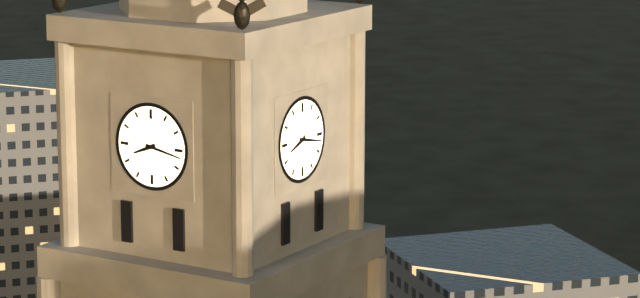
8h17
